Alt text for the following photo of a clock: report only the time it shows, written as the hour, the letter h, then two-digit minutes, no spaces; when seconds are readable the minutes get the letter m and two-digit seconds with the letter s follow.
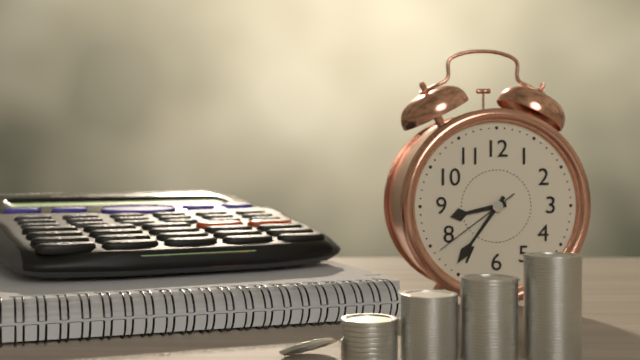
8h36m39s
